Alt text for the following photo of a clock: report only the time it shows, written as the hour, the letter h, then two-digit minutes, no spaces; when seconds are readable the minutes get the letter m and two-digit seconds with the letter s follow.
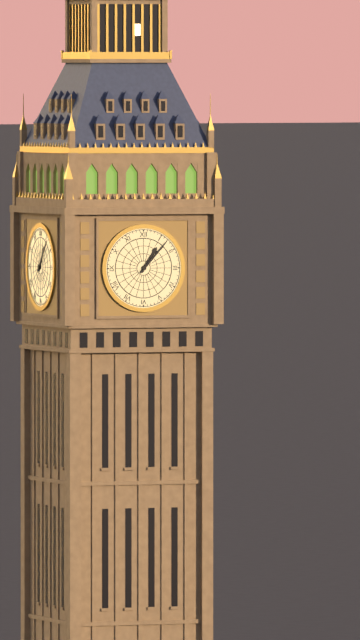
1h07
